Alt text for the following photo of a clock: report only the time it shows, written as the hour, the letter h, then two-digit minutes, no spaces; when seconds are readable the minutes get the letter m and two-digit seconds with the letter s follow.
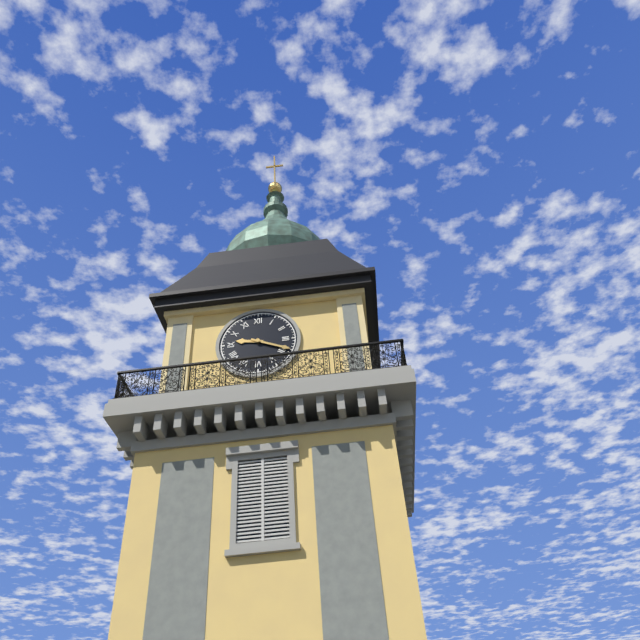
9h19
